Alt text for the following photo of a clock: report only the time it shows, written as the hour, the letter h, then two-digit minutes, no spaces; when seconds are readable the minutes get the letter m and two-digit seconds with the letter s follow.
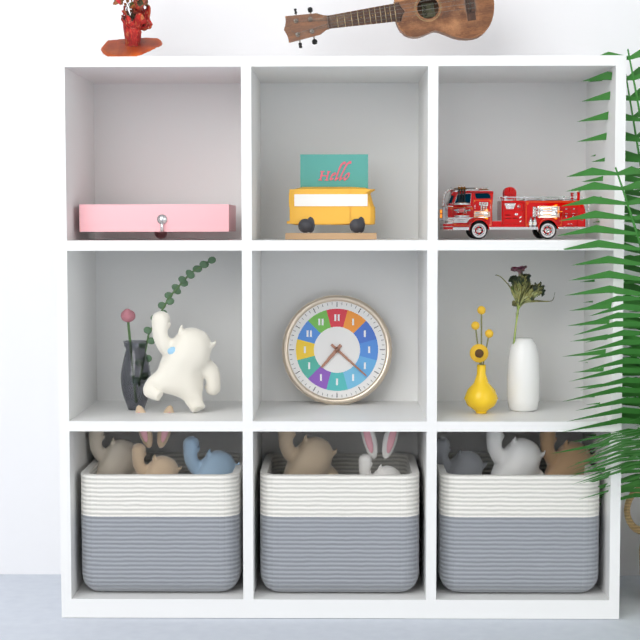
7h22
